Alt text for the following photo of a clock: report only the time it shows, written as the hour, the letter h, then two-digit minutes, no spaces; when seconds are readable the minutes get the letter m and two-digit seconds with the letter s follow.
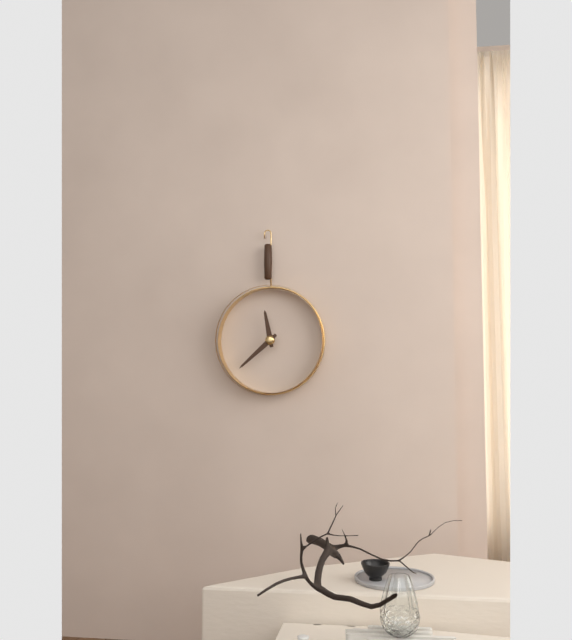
11h38
